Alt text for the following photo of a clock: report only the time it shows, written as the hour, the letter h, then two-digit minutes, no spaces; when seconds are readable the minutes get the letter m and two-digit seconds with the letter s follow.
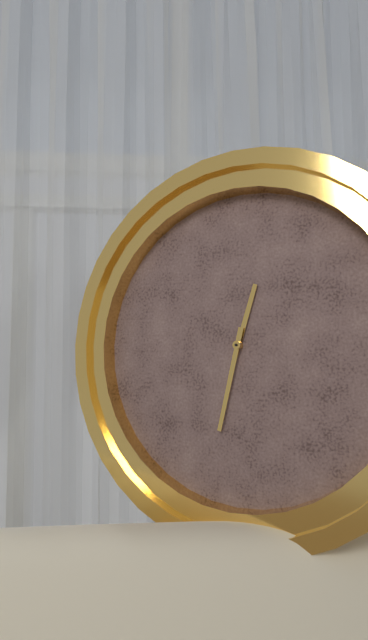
12h32
